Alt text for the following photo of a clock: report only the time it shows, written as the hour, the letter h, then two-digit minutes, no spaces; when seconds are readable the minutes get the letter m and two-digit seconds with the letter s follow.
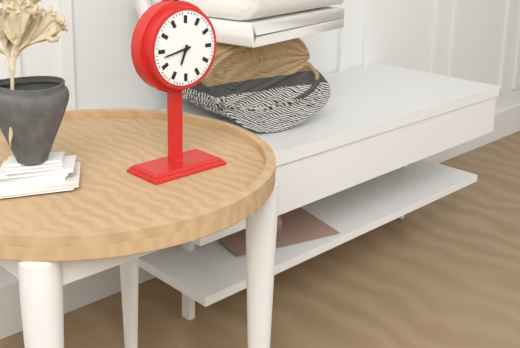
6h43
